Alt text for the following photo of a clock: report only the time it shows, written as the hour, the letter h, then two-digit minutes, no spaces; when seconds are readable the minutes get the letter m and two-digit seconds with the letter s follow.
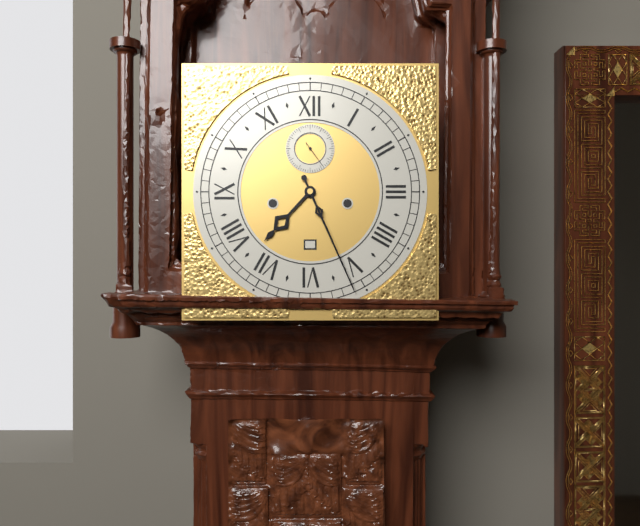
7h26
